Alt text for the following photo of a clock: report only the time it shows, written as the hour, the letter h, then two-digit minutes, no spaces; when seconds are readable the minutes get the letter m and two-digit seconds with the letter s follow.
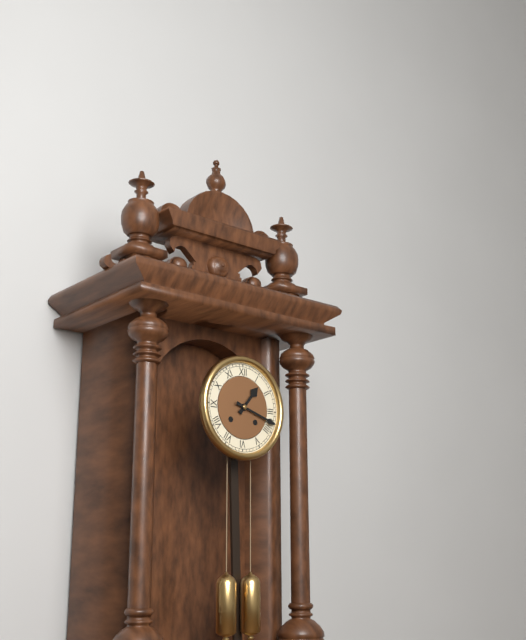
1h18
